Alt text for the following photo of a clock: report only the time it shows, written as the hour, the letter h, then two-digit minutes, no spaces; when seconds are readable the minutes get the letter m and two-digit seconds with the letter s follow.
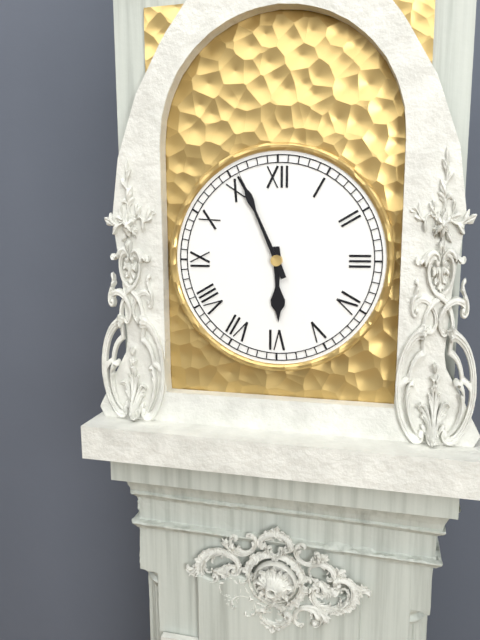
5h56
